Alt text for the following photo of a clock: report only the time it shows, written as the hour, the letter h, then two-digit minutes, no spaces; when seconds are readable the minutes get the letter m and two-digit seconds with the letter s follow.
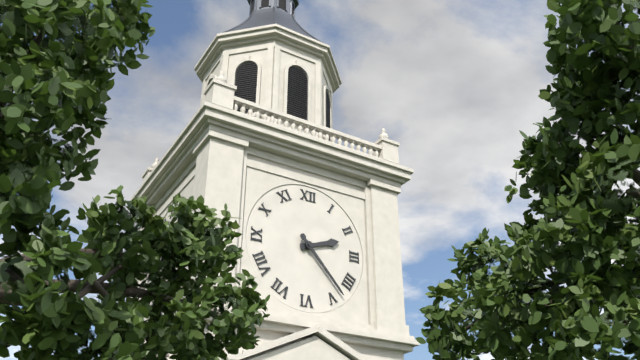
2h23
